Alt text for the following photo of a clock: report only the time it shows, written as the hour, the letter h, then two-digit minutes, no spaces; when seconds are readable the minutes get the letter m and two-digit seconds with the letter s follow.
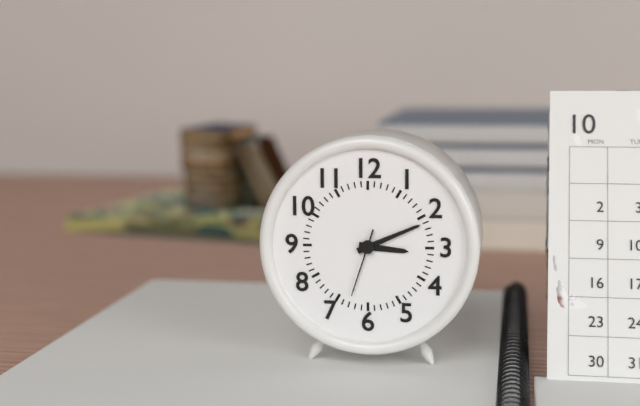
3h11m33s
